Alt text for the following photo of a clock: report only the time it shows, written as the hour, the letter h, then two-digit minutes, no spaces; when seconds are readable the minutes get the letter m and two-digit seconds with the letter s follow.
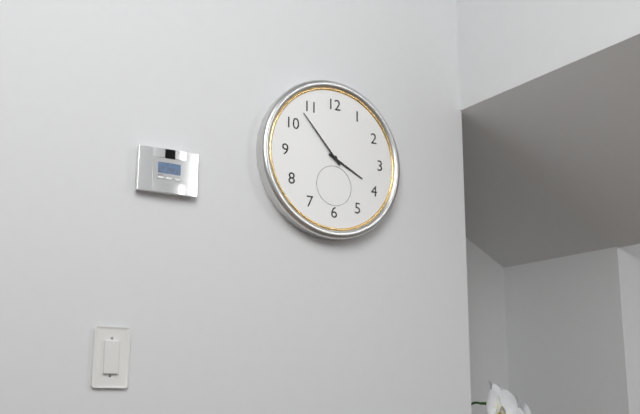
3h53
